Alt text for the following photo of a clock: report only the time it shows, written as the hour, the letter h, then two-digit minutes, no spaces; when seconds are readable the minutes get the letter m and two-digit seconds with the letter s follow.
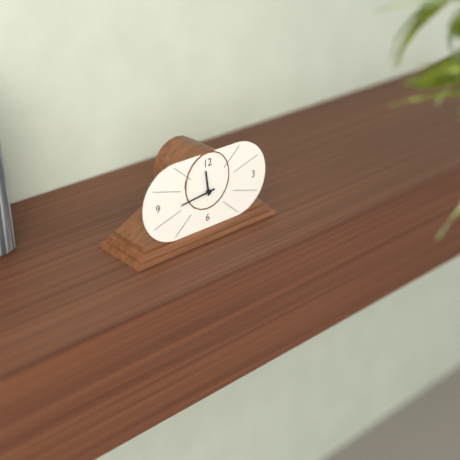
11h44
